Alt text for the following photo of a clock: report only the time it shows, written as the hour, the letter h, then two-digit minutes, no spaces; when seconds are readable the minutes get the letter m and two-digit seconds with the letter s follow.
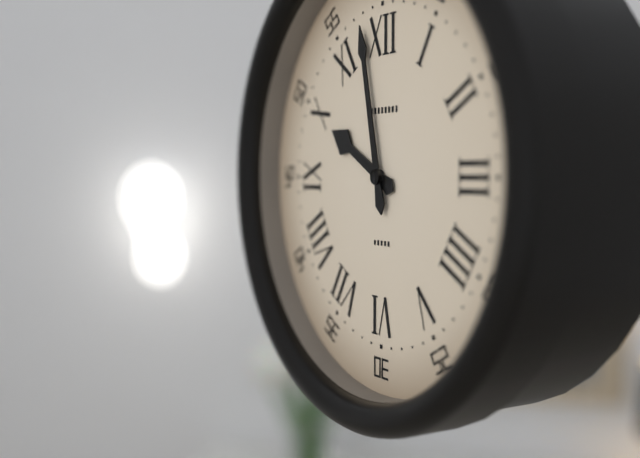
9h58
